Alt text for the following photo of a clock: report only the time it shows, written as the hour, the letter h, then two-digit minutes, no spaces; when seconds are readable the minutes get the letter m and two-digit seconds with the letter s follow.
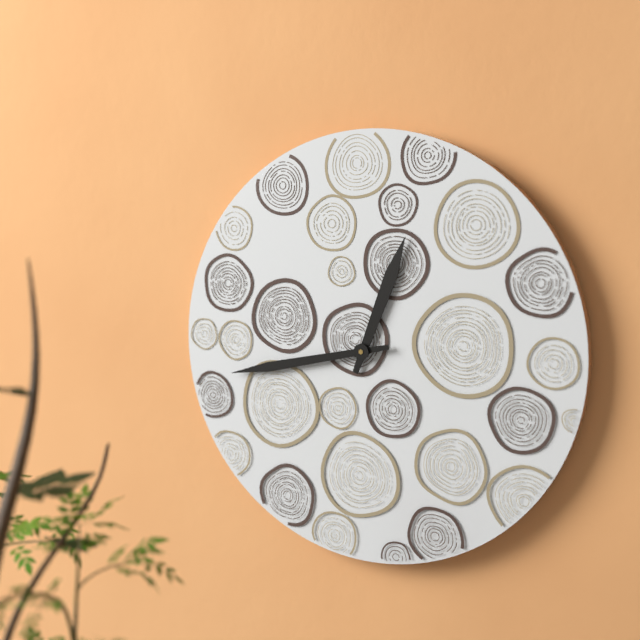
12h43
